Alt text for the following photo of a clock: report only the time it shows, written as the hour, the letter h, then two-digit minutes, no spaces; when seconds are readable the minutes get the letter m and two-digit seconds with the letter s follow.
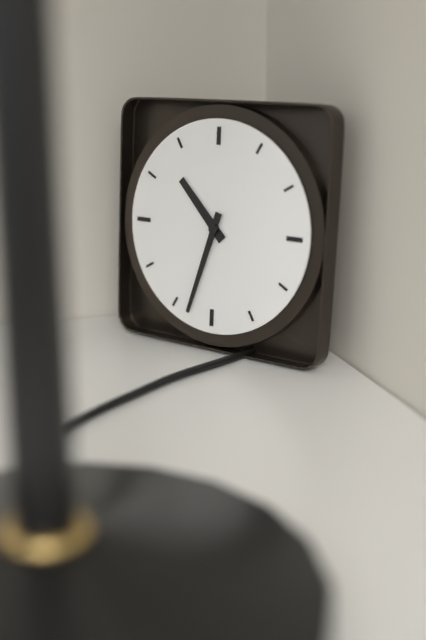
10h33
